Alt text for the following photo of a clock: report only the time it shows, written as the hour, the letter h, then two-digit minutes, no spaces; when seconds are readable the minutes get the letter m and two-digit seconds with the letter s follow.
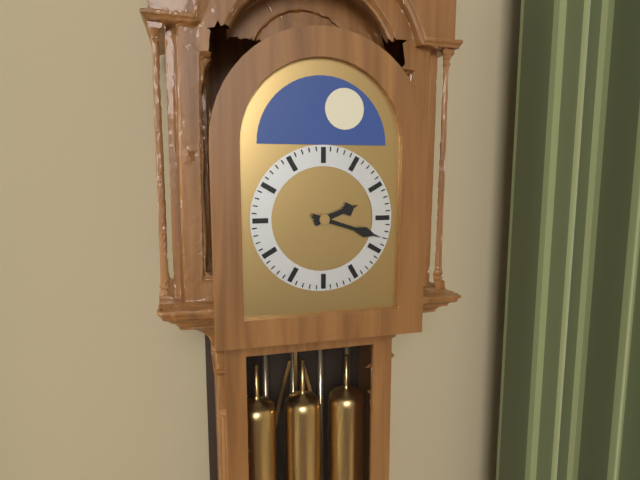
2h18
